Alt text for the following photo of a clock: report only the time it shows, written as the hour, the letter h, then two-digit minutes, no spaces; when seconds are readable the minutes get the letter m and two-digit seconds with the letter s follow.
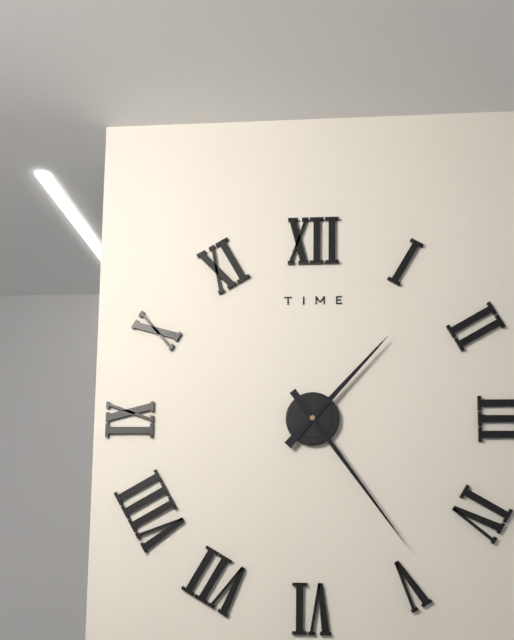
1h24
